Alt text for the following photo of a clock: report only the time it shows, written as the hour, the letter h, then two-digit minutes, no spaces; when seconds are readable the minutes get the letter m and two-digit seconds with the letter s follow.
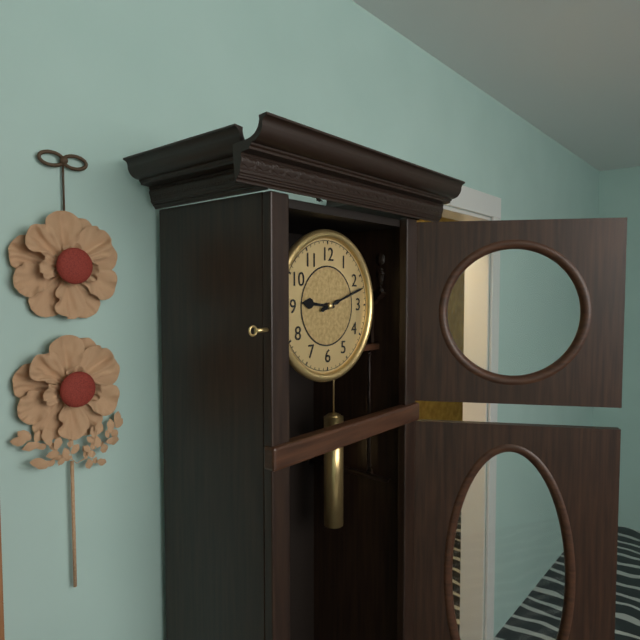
9h12
